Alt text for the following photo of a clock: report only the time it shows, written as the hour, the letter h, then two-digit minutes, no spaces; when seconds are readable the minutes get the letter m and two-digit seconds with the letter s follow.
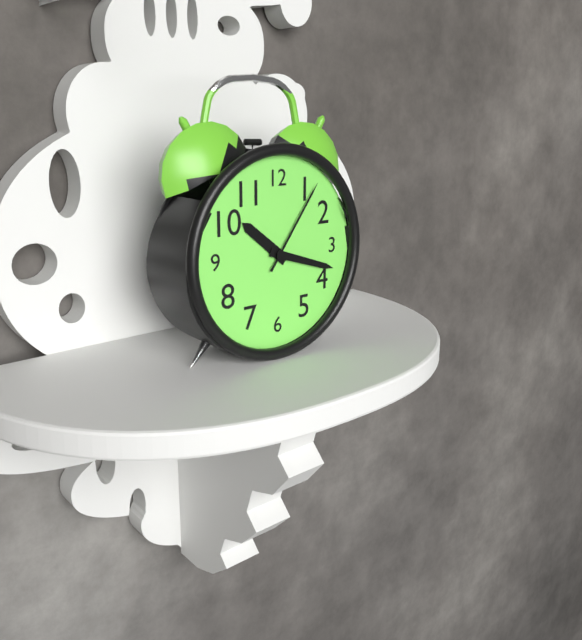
10h18m06s
